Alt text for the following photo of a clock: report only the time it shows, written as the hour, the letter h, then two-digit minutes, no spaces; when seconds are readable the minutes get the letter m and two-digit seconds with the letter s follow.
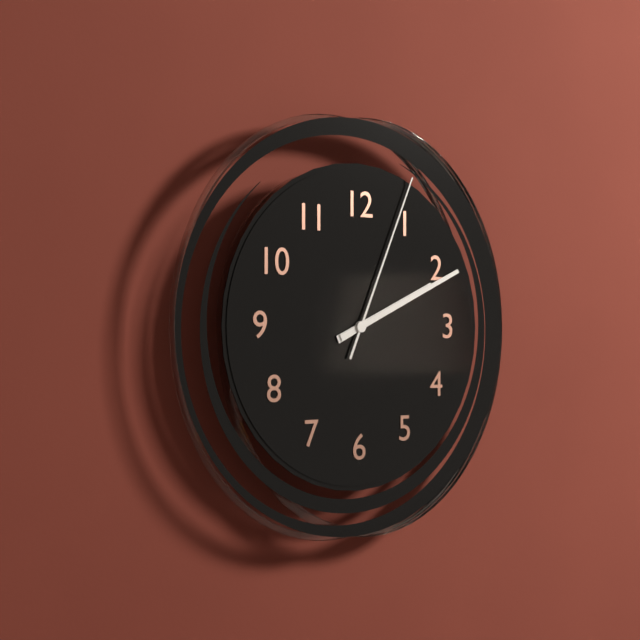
2h11m04s
